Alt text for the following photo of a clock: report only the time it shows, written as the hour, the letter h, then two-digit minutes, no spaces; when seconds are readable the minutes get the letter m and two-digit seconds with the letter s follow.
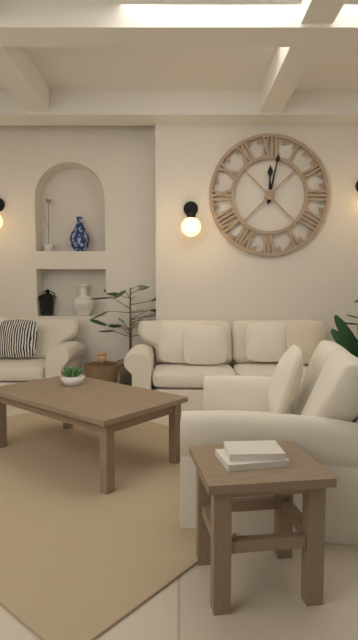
12h02
